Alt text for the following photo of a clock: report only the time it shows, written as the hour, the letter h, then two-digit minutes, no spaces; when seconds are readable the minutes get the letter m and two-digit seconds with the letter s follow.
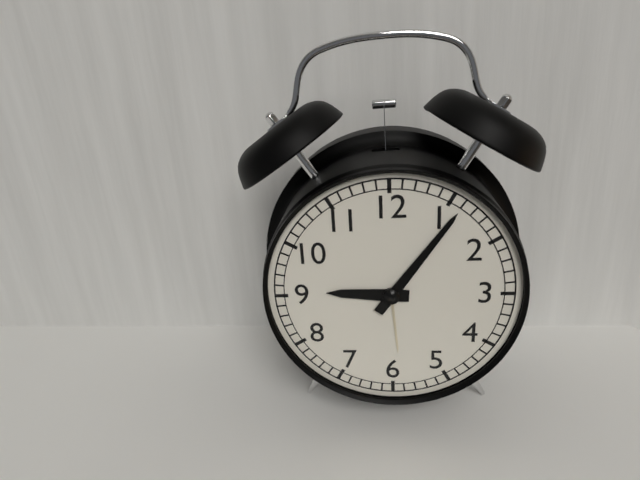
9h06
